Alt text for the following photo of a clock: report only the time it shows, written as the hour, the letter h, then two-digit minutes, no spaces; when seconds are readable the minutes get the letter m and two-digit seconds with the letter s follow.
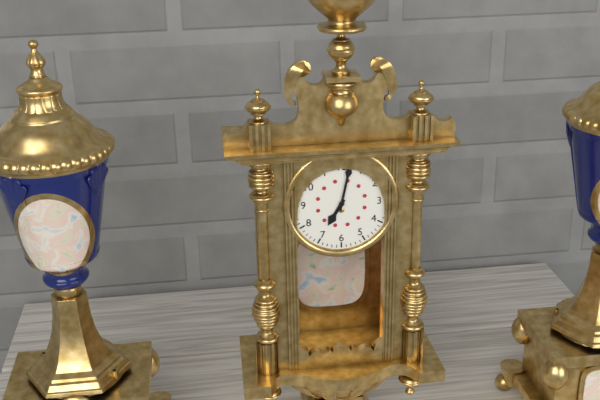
7h02
